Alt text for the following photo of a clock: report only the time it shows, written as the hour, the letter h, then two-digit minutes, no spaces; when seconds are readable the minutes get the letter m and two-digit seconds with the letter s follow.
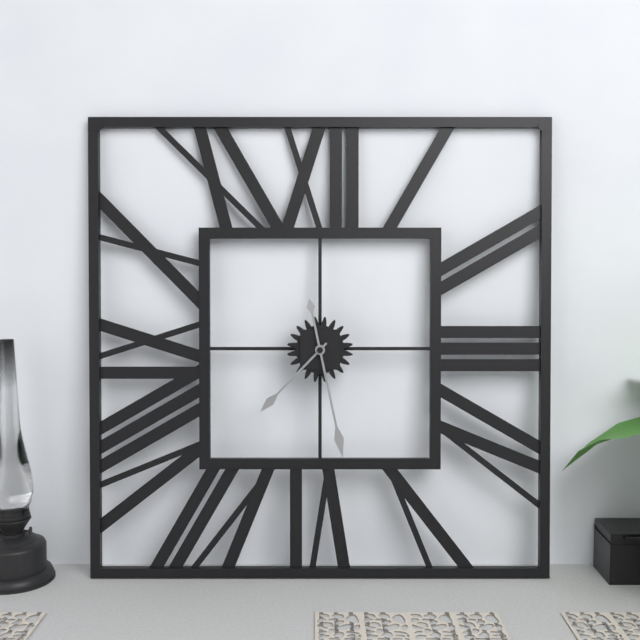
7h28
